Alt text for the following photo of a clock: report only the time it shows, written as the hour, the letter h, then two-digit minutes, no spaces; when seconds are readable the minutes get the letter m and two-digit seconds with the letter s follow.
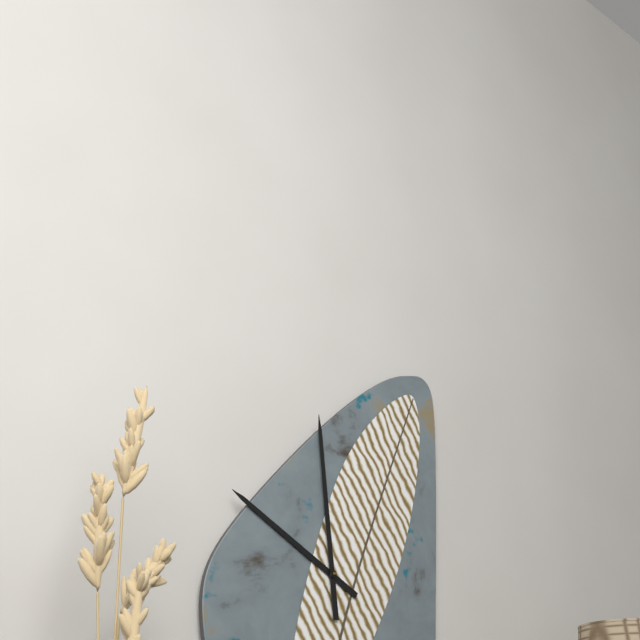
9h59
